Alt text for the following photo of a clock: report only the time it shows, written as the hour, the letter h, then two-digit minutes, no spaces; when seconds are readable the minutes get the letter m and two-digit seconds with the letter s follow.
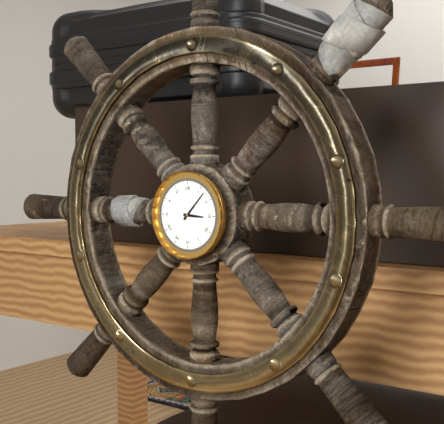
3h07
